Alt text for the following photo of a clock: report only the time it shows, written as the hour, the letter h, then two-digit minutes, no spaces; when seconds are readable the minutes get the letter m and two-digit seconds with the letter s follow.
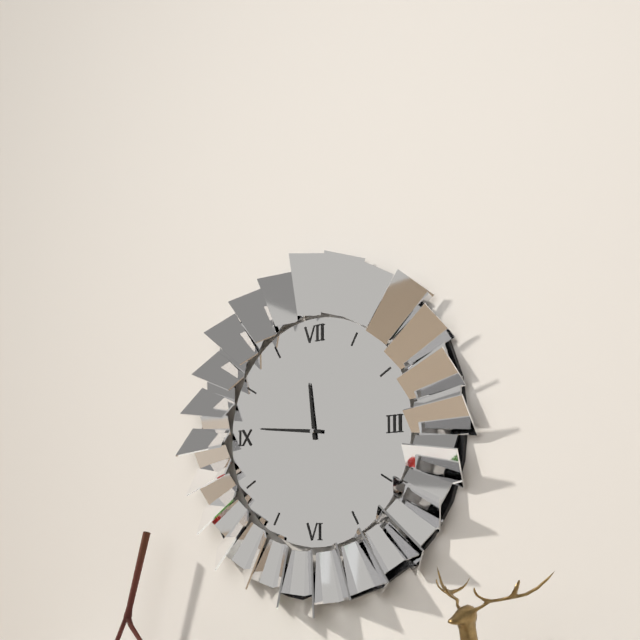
11h46
